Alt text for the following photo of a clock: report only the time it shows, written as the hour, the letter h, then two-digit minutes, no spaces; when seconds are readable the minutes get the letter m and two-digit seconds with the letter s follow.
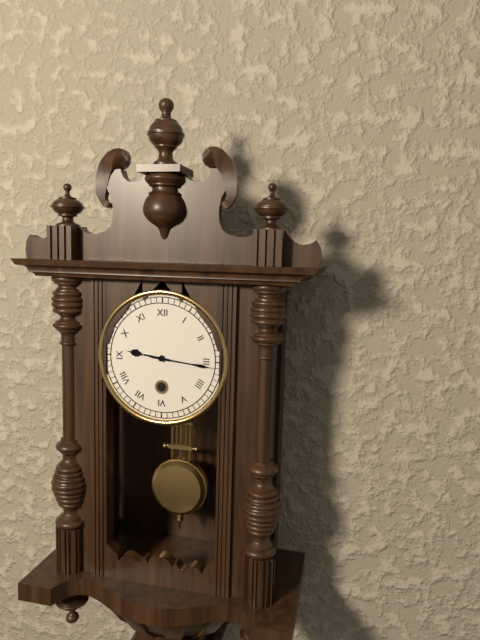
9h16
